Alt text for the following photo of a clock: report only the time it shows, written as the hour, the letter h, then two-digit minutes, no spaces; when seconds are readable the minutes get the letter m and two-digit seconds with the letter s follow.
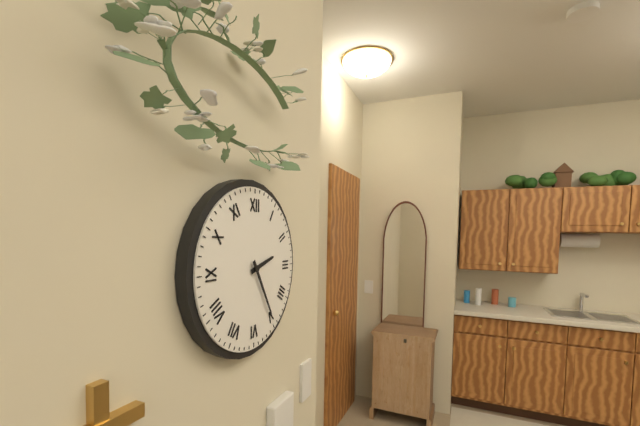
2h25
